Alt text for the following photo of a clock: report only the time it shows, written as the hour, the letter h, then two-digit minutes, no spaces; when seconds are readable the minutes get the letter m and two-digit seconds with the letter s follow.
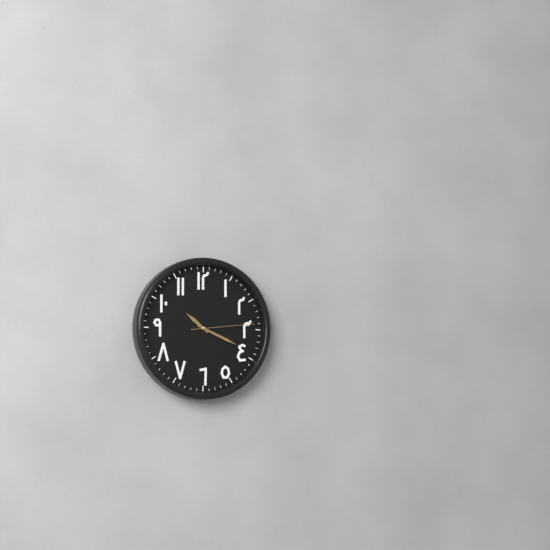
10h19m14s
